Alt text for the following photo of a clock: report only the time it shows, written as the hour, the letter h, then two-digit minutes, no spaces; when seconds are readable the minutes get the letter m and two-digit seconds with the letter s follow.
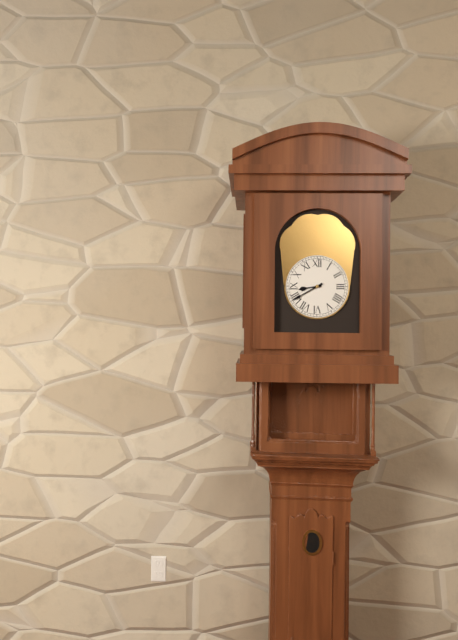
8h40
